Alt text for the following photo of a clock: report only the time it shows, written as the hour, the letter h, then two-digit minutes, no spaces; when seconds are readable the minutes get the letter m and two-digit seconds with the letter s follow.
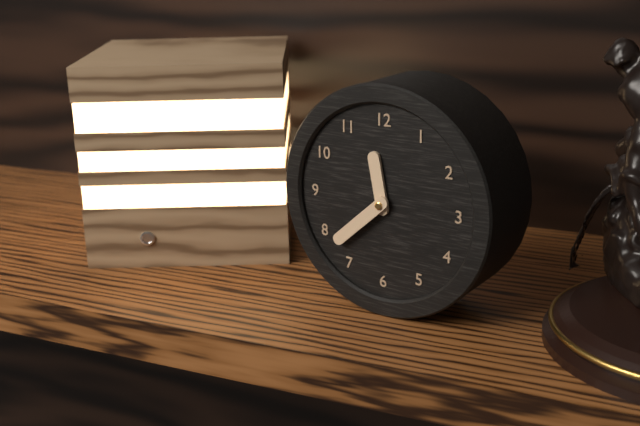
11h38
